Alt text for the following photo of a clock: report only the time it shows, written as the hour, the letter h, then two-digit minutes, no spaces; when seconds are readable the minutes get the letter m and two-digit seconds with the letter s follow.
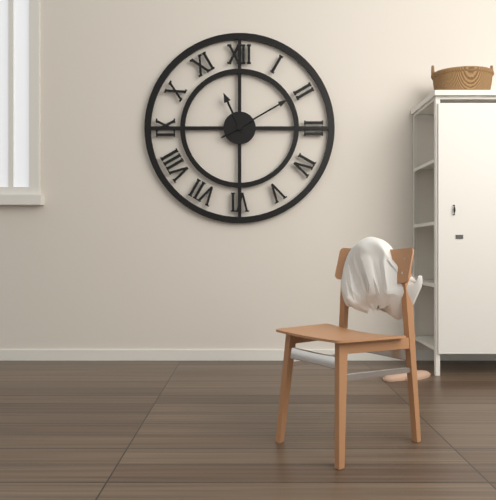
11h10
